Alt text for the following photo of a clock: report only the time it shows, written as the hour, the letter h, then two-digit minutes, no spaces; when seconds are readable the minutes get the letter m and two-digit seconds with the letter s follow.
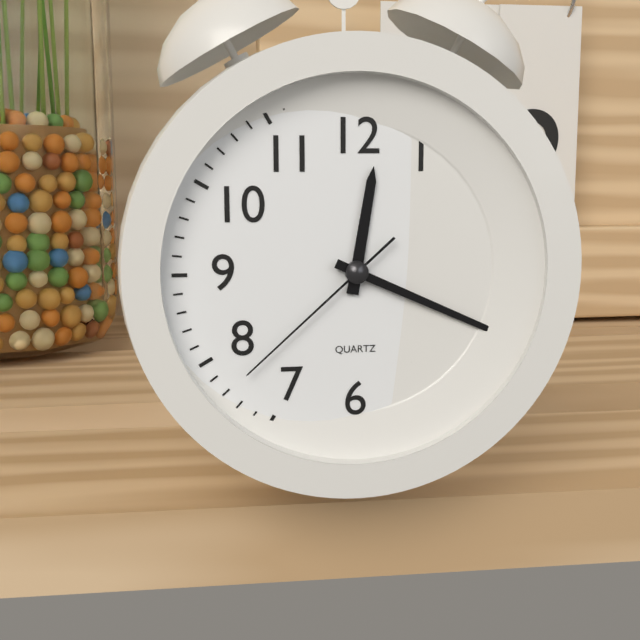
12h19m38s
